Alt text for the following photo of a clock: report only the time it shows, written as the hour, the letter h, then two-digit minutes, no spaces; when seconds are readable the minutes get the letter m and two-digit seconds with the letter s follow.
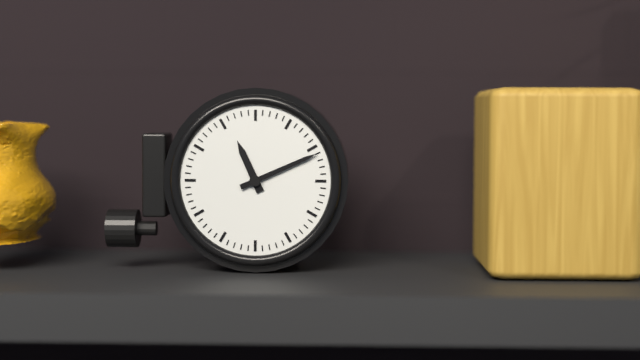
11h11
